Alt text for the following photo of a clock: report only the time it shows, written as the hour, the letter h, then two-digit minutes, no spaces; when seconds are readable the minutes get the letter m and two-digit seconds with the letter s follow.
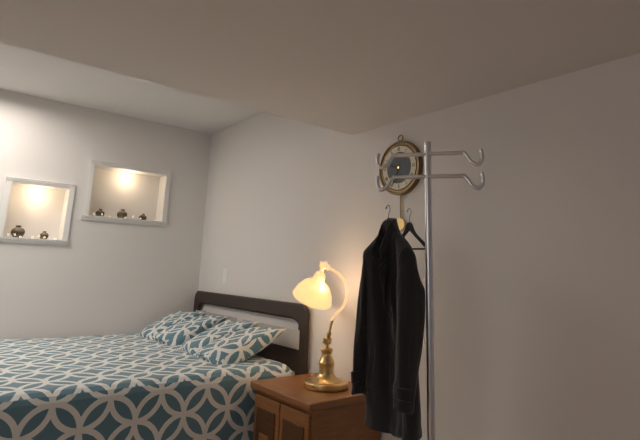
9h34
